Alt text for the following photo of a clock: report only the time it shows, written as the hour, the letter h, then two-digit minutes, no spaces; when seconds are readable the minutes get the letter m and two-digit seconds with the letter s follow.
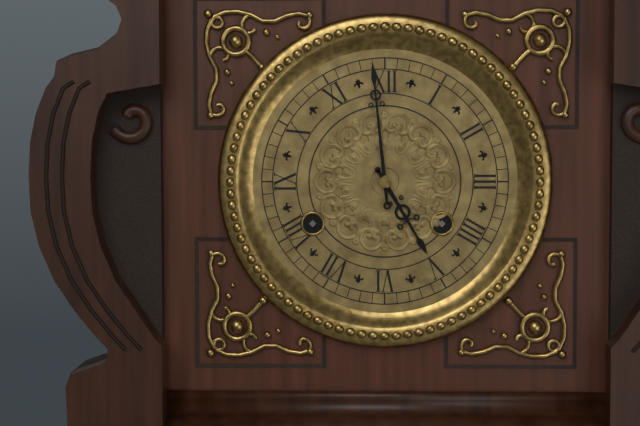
4h59
